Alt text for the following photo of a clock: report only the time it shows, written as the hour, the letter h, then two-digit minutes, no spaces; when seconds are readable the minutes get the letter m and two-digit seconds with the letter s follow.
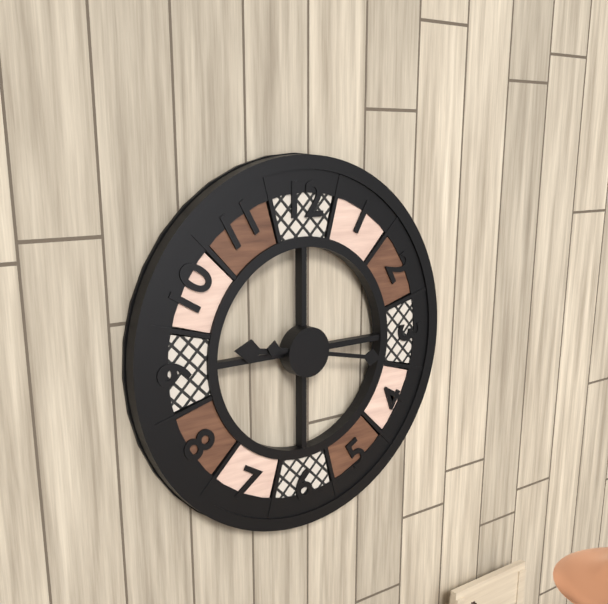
9h17
